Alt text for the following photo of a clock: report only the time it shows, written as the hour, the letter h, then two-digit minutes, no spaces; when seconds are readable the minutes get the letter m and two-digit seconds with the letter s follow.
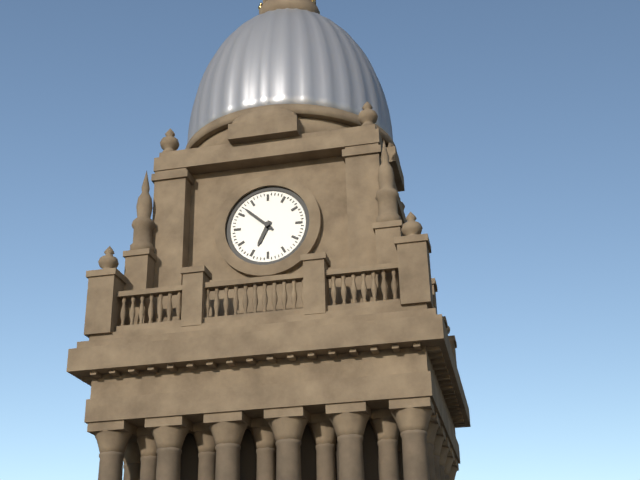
6h52
